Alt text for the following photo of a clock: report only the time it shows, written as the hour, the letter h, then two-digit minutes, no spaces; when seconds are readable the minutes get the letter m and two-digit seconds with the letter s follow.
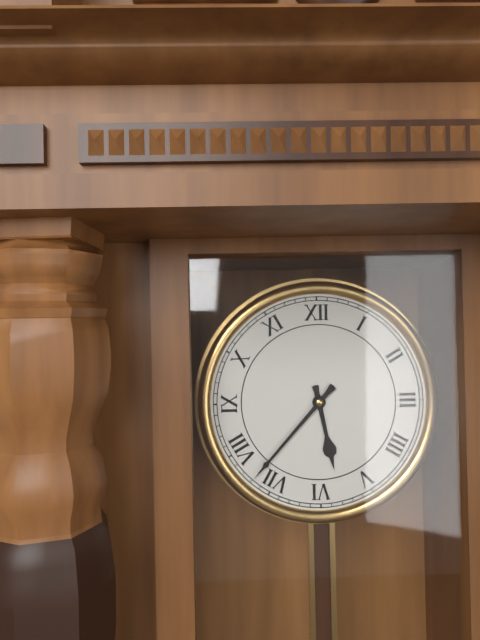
5h37
